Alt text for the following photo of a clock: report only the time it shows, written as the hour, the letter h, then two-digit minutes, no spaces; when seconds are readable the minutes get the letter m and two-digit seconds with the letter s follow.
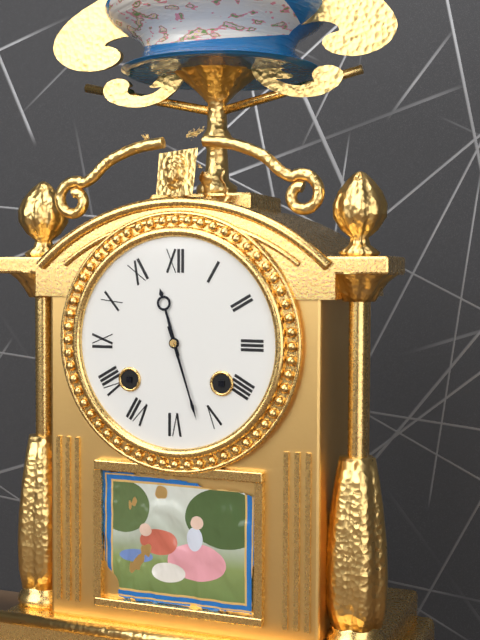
11h27
